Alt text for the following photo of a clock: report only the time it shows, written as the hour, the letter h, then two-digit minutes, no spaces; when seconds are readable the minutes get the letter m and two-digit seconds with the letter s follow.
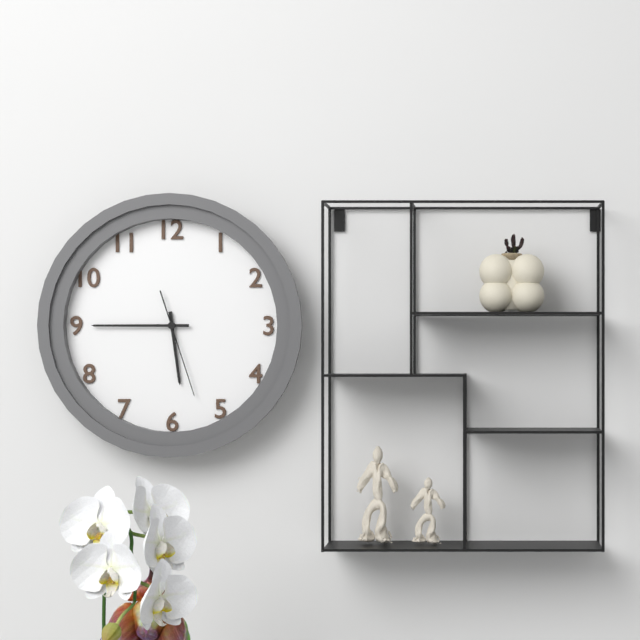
5h45m27s
